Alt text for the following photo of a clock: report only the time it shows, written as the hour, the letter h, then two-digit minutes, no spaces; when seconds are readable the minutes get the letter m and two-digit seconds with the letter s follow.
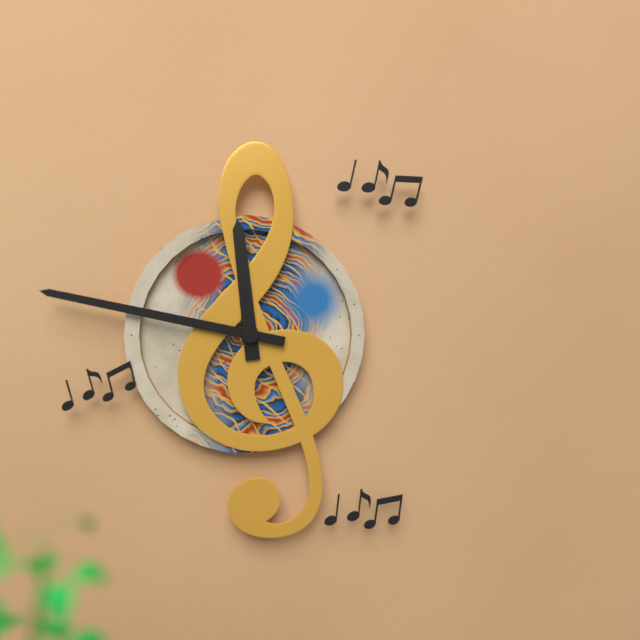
11h47
